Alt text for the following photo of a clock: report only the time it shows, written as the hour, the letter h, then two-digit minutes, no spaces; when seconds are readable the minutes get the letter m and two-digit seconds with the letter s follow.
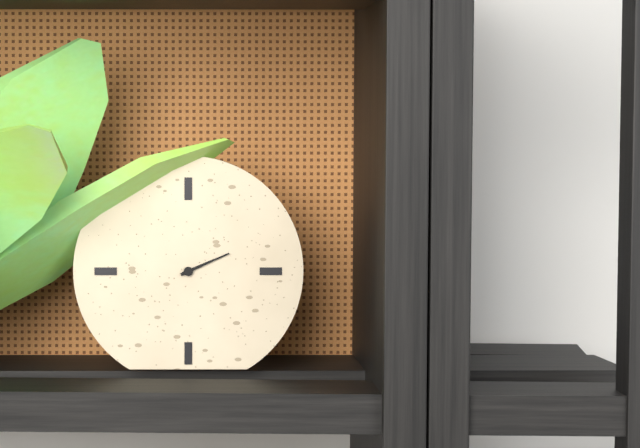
2h11
